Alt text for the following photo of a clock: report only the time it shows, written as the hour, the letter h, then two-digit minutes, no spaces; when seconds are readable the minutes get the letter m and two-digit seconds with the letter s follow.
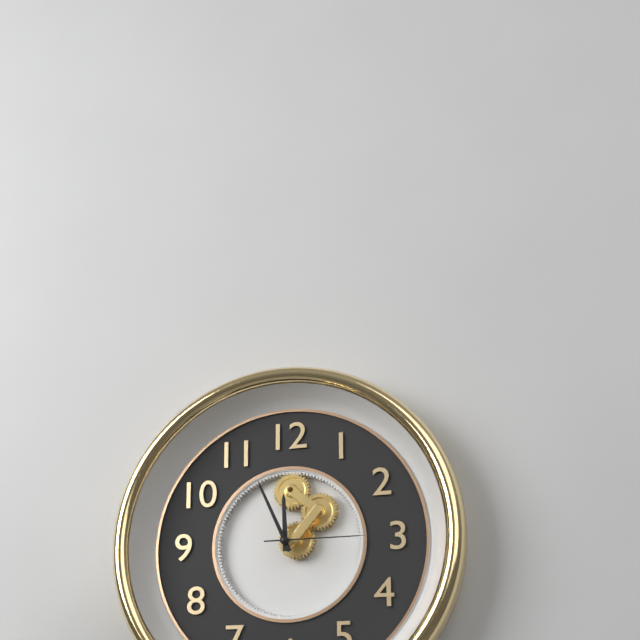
11h56m15s
